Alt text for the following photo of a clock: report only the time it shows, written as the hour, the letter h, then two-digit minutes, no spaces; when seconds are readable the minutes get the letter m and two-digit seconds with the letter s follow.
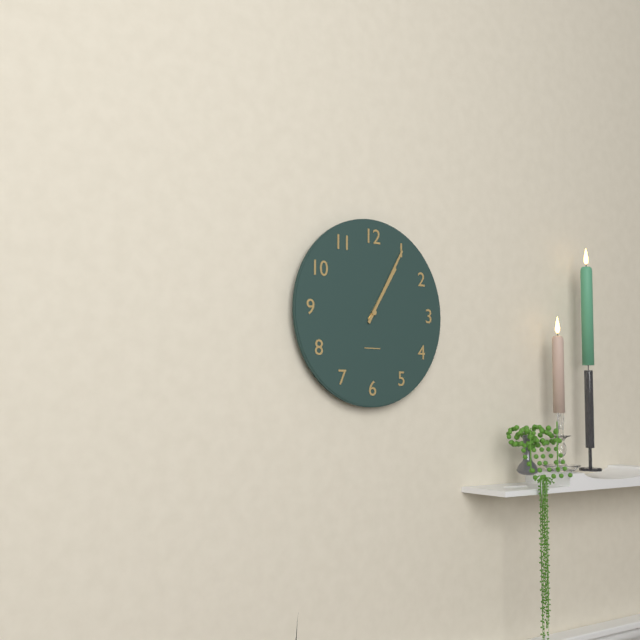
1h05
